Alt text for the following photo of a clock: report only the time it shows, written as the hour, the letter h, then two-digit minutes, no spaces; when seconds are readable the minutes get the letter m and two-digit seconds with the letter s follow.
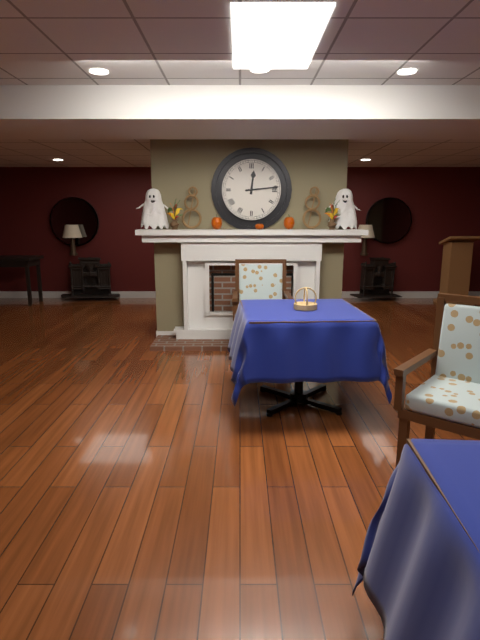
12h14
